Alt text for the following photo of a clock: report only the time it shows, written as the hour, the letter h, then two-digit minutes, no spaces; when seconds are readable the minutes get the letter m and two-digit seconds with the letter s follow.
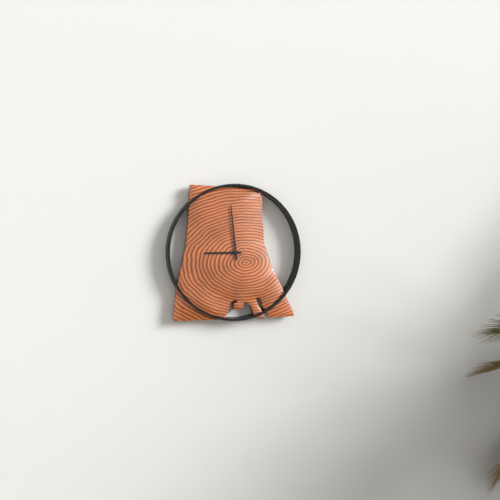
8h59
